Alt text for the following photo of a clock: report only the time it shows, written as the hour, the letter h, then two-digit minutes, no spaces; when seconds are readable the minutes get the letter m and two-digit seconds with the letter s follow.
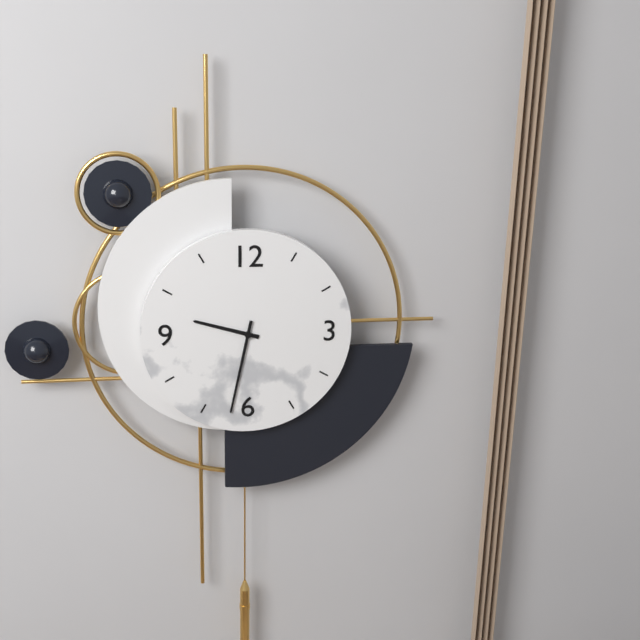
9h32
